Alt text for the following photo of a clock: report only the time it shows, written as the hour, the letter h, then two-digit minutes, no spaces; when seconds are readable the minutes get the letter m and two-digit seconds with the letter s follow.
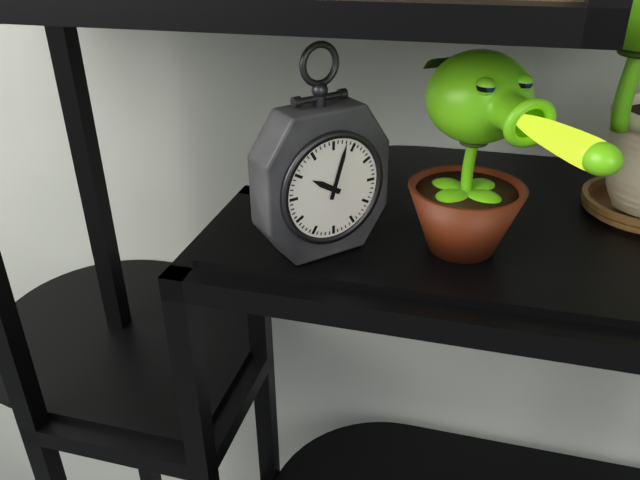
10h03
